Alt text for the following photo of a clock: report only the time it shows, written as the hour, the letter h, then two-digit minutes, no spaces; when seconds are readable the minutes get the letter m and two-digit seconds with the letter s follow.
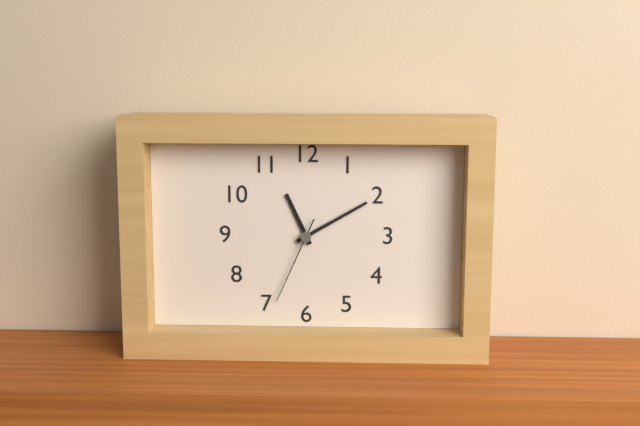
11h10m34s
